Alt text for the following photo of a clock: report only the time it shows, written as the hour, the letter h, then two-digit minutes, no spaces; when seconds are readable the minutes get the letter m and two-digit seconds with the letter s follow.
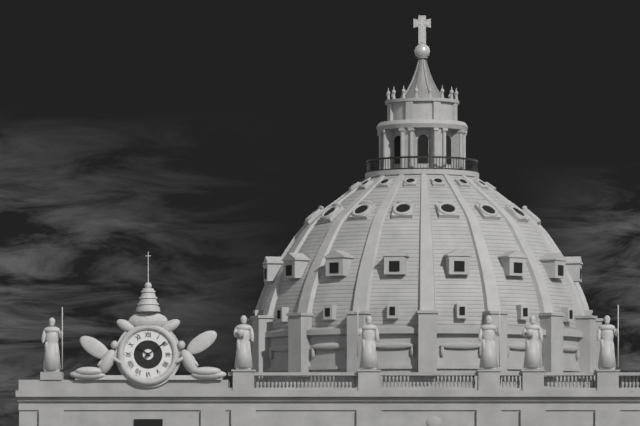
10h09
